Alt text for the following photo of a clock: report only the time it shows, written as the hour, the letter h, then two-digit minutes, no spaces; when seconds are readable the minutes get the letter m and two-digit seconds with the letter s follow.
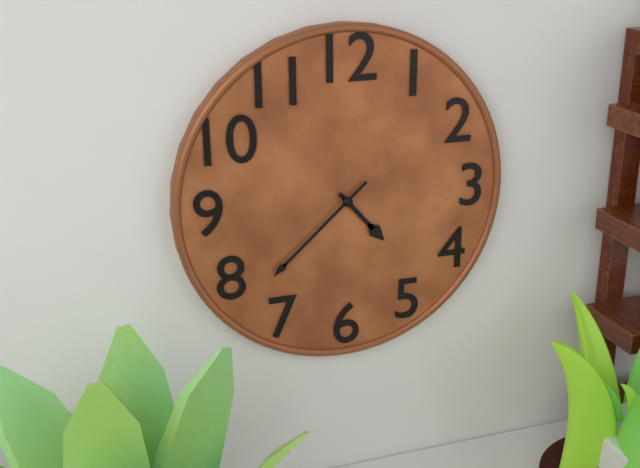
4h38
